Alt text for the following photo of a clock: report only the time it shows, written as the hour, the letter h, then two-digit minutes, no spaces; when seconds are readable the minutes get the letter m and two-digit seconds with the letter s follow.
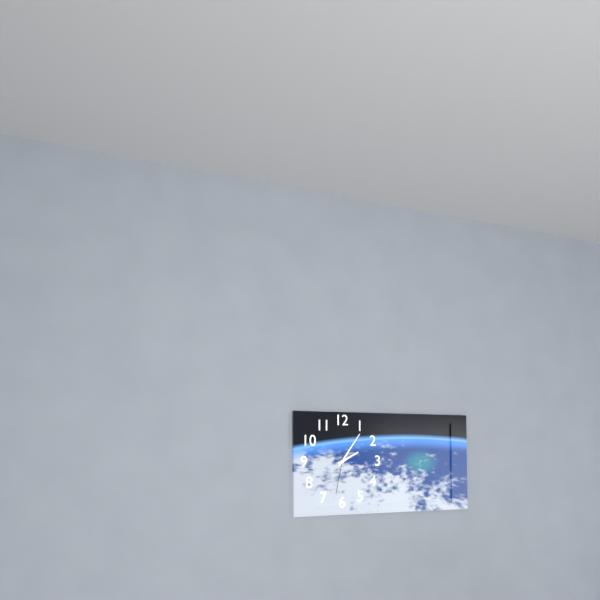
2h06
